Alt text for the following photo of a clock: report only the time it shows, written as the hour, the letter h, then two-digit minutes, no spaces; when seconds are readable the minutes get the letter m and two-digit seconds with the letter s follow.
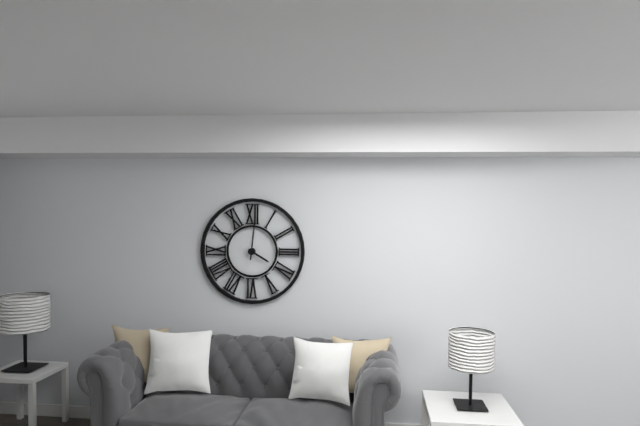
4h01
